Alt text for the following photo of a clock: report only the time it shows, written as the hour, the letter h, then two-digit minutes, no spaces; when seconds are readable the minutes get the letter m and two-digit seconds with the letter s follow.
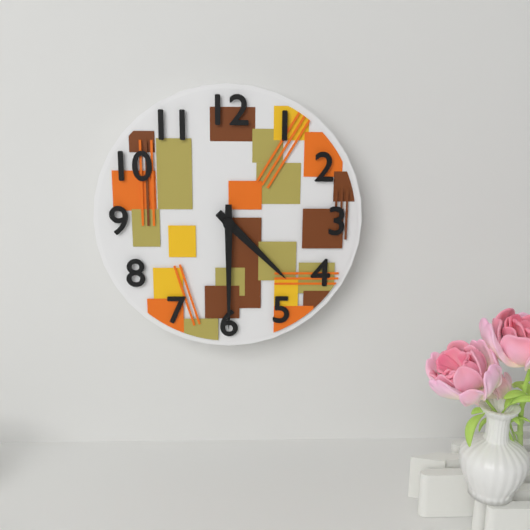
4h30
